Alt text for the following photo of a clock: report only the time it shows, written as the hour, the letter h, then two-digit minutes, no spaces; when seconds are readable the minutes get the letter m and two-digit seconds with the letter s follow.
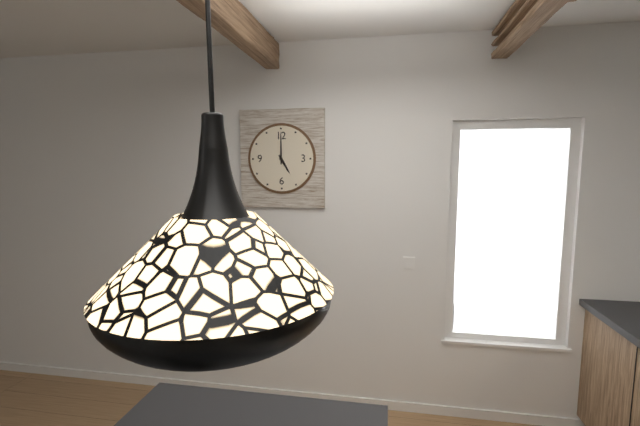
5h00
